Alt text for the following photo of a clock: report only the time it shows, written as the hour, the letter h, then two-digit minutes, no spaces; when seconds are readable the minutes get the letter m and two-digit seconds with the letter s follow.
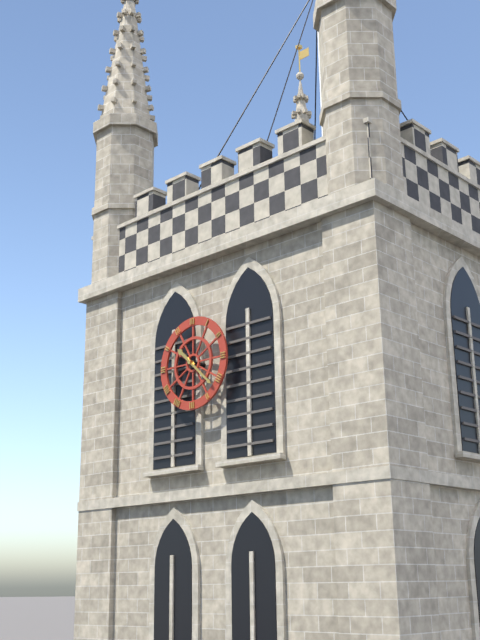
10h22
